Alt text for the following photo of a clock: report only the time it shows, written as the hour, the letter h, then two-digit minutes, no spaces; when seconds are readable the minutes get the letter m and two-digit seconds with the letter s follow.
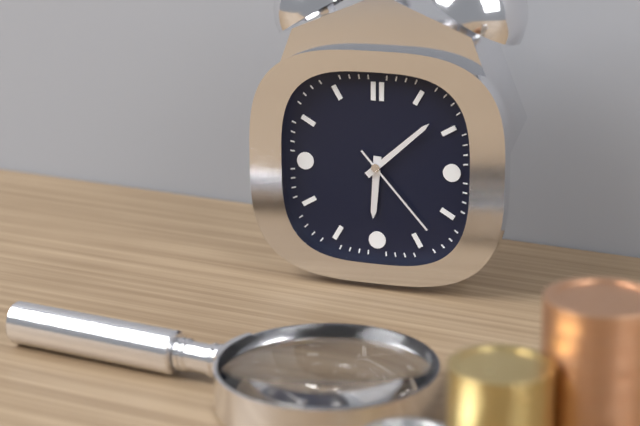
6h08m23s
